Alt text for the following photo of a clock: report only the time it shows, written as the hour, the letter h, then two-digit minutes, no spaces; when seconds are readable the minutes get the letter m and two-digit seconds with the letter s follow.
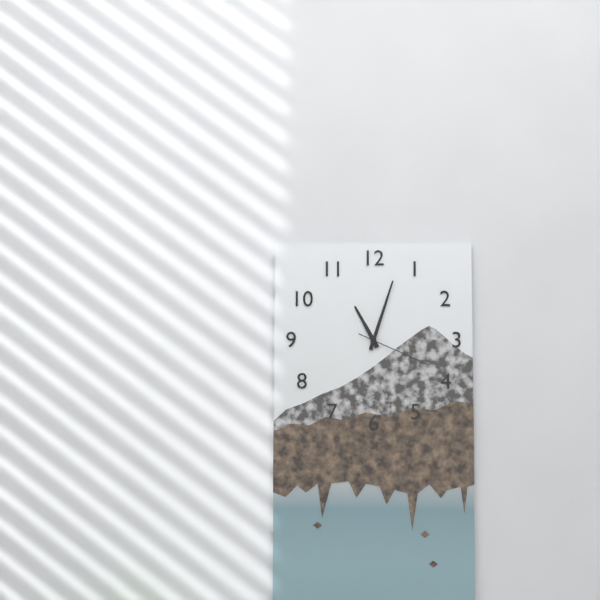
11h03m19s
